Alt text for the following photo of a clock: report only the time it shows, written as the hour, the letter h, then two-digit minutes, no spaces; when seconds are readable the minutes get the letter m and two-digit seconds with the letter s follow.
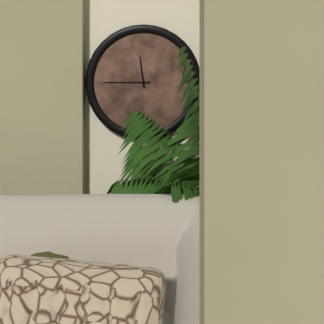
11h45
